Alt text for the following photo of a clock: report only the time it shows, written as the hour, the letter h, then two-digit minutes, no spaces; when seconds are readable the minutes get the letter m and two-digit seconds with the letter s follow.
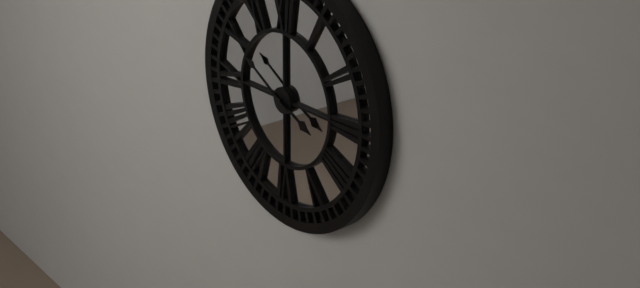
3h50
